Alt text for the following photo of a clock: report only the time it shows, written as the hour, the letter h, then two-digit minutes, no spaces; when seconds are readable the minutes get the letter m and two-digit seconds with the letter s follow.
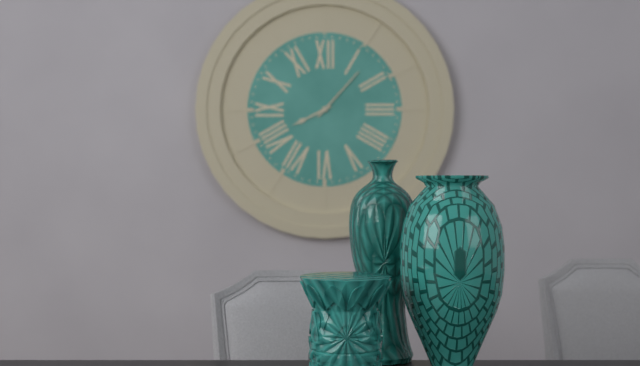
8h07
